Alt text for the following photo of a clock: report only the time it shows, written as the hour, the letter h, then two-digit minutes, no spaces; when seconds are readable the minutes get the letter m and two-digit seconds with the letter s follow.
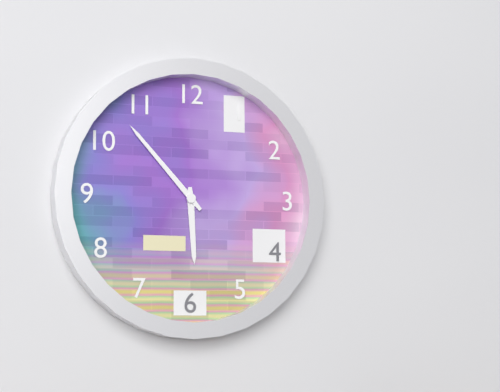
5h53
